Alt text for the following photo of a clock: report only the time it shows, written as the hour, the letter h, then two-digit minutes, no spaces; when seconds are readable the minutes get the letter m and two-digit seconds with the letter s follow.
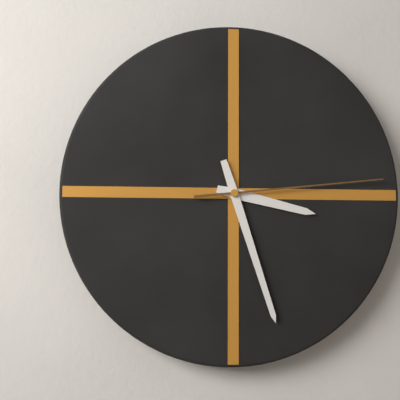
3h27m14s
